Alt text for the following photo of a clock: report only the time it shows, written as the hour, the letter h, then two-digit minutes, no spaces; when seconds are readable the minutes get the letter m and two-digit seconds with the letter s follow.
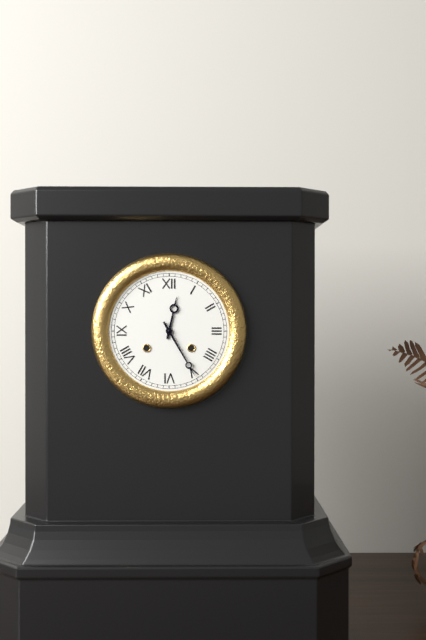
12h25
